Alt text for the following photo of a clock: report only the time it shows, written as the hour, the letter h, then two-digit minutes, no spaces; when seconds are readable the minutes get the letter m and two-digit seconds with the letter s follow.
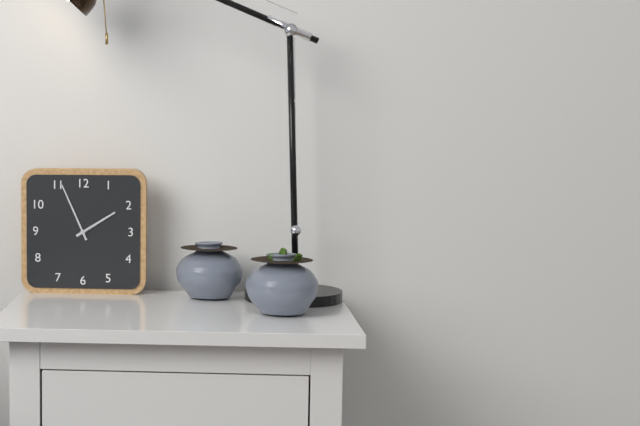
1h56
